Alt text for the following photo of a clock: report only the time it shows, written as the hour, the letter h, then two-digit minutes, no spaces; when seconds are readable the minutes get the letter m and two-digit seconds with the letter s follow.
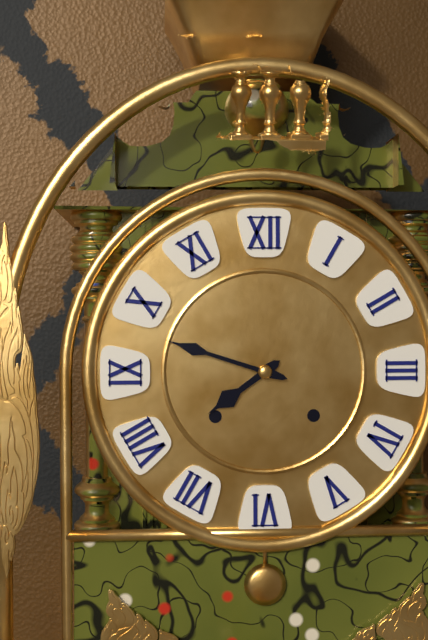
7h48
